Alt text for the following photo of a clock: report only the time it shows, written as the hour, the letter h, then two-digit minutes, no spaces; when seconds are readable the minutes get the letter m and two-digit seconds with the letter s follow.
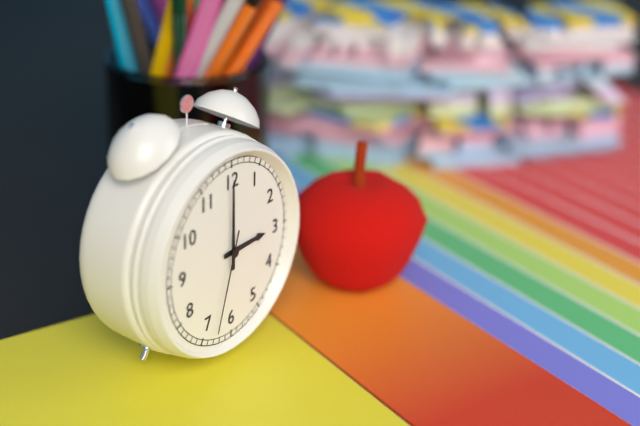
3h00m33s
